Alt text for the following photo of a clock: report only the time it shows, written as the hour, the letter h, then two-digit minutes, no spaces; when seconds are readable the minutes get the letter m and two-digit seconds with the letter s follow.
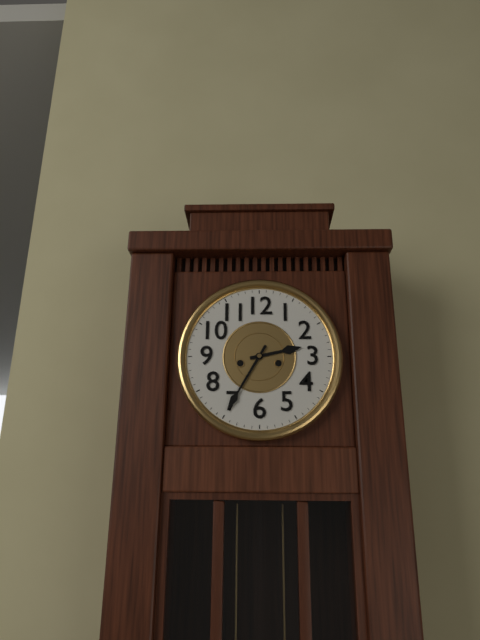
2h35
